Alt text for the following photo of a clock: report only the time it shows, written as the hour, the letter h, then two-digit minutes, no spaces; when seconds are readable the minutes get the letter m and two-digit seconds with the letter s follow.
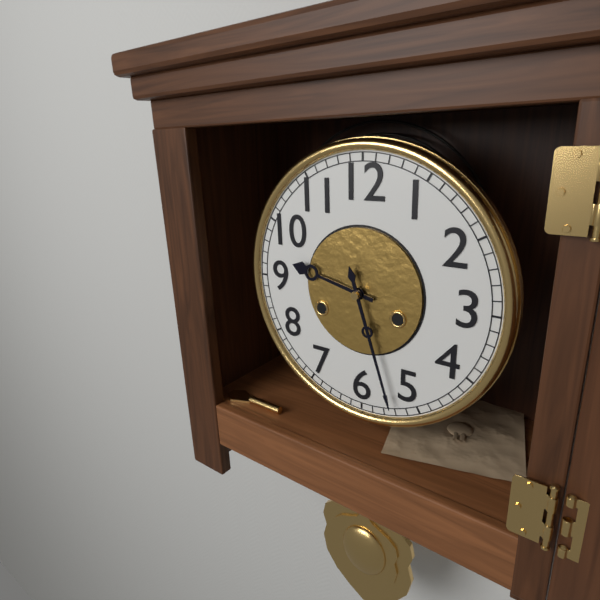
9h27
